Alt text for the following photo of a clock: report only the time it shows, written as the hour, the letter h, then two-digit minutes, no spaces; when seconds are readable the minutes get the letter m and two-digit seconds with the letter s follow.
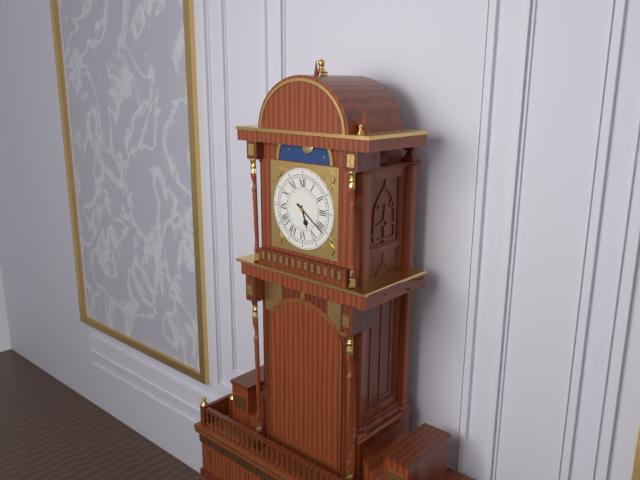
5h21
